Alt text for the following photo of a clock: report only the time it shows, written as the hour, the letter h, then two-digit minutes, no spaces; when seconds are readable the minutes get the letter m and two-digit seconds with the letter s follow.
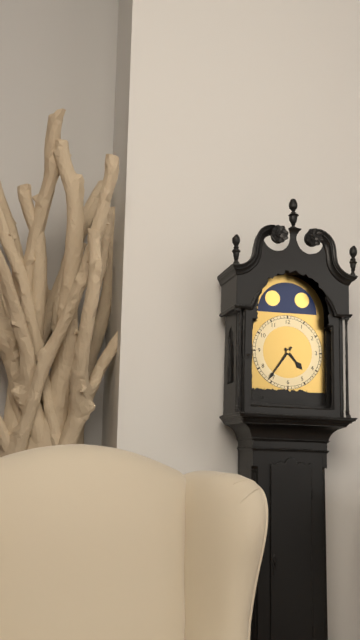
4h36
